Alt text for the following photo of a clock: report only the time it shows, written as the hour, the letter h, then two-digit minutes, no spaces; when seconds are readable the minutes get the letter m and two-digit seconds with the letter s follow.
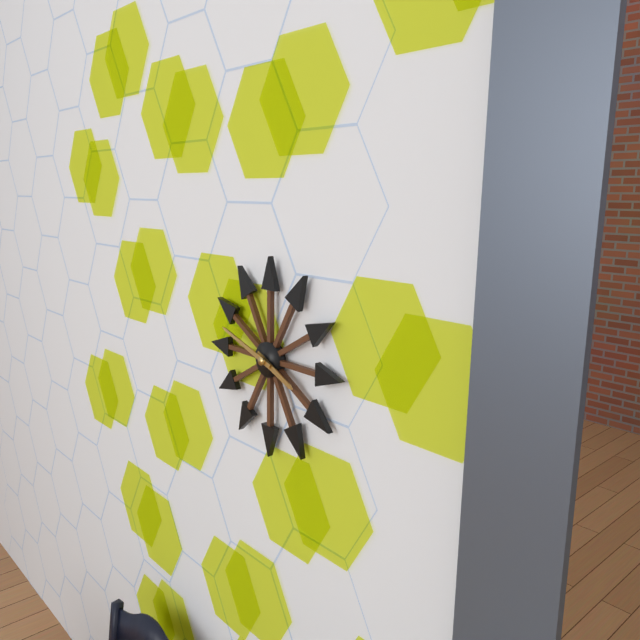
3h48
